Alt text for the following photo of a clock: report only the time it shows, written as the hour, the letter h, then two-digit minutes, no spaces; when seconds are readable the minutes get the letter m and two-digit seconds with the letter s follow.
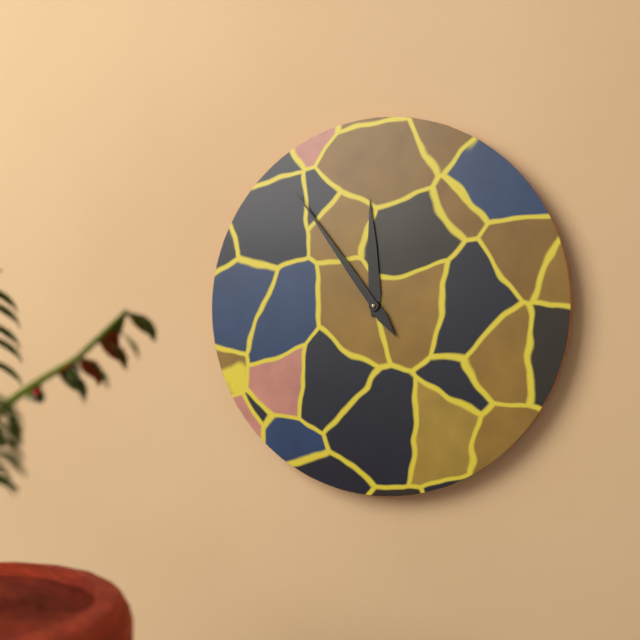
11h54
